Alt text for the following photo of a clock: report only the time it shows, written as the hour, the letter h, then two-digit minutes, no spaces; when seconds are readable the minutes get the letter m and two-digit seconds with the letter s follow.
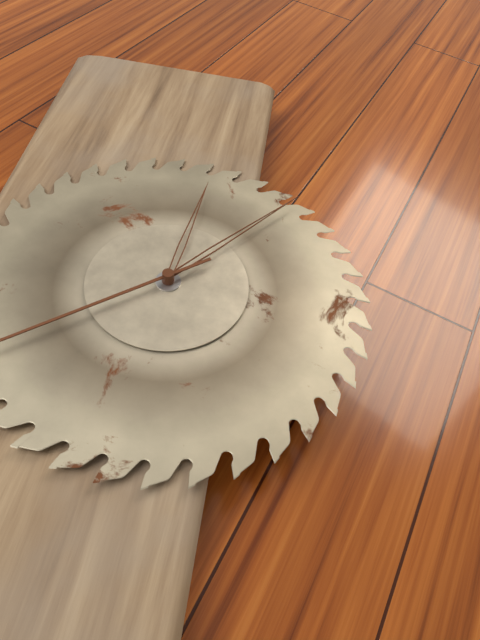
12h06
